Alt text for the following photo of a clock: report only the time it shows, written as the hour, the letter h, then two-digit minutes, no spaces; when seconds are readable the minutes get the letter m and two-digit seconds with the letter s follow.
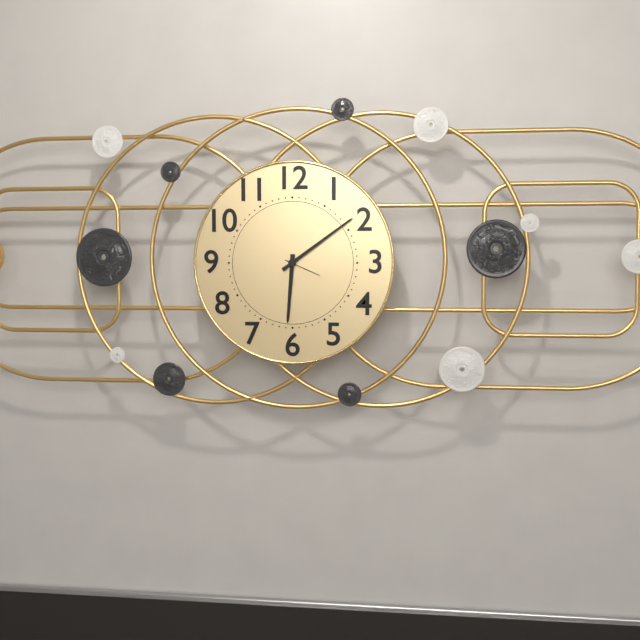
6h09
